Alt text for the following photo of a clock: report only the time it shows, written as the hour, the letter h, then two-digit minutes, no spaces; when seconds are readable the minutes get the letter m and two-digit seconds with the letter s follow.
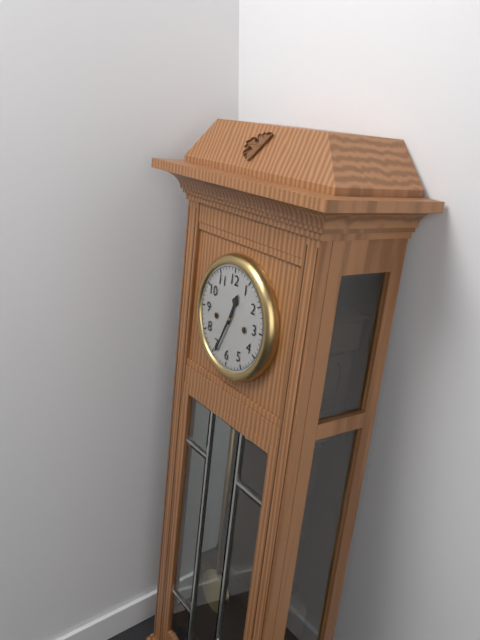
12h34
